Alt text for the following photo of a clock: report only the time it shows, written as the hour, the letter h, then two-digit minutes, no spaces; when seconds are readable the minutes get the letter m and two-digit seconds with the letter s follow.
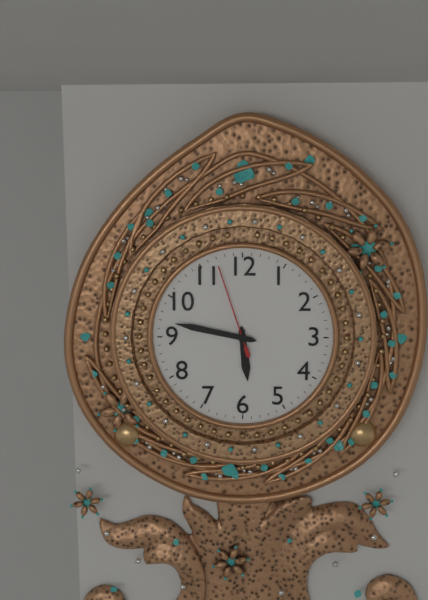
5h47m57s
